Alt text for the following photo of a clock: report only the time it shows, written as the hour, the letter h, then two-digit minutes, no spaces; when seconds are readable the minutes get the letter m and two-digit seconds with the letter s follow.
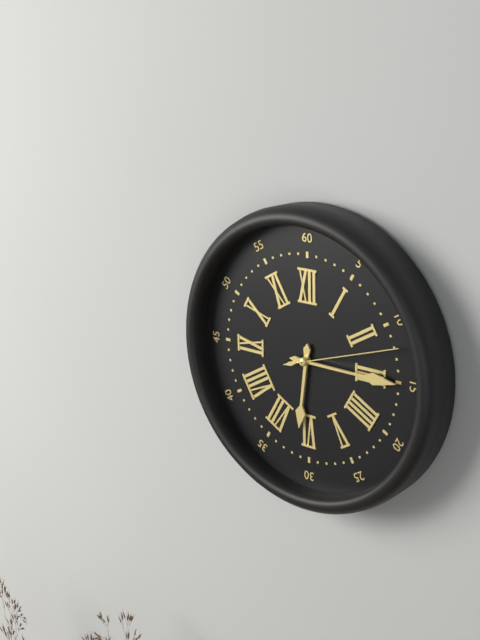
6h15m12s
